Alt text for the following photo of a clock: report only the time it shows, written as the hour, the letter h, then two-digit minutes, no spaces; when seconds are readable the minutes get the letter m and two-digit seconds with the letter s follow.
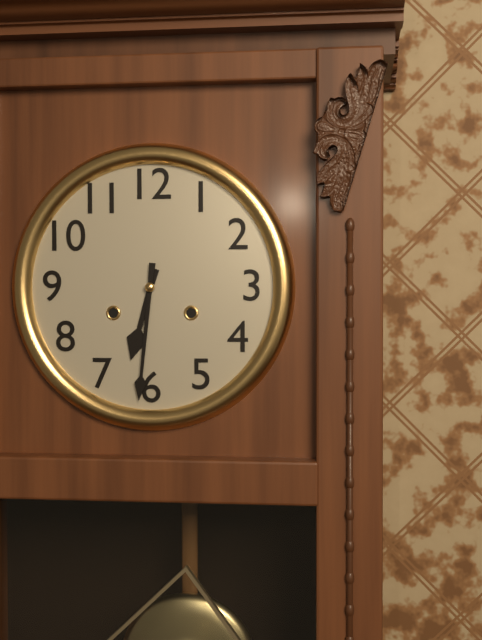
6h31
